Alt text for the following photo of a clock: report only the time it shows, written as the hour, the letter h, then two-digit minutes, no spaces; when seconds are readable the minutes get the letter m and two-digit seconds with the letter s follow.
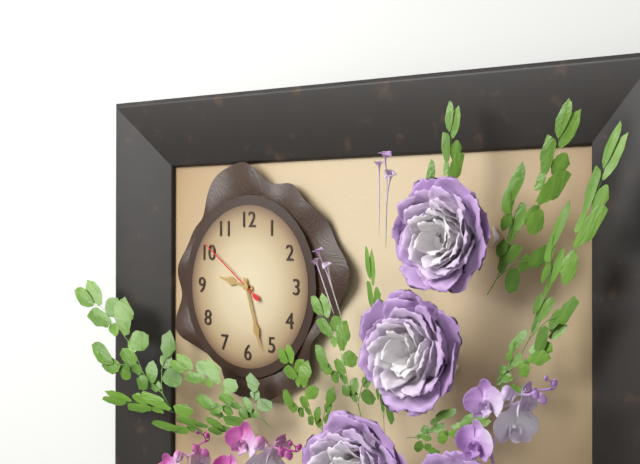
9h27m51s
